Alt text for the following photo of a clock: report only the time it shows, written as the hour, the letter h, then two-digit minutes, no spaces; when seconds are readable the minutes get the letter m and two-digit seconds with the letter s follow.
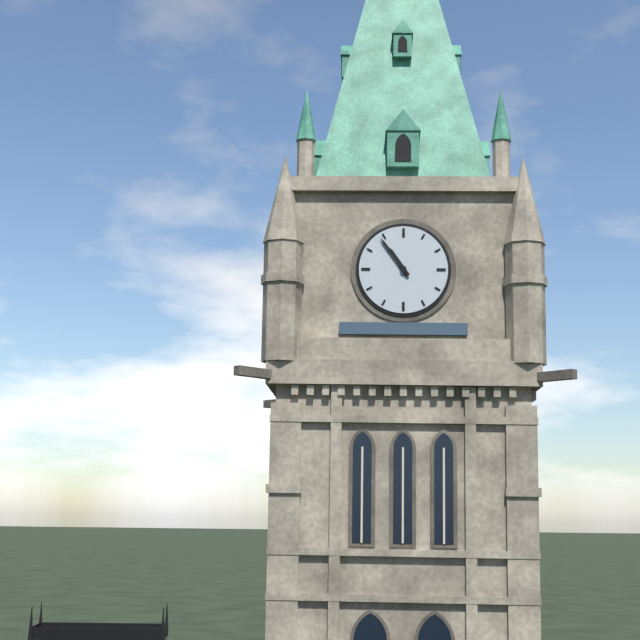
10h54
